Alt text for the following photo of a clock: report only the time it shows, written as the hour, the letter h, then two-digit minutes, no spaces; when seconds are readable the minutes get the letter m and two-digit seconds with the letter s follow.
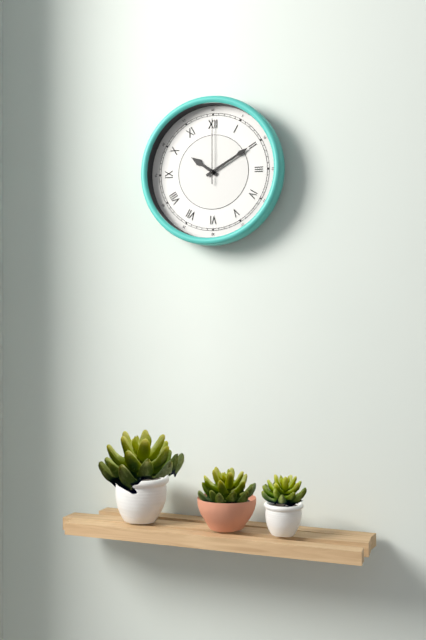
10h10m00s
